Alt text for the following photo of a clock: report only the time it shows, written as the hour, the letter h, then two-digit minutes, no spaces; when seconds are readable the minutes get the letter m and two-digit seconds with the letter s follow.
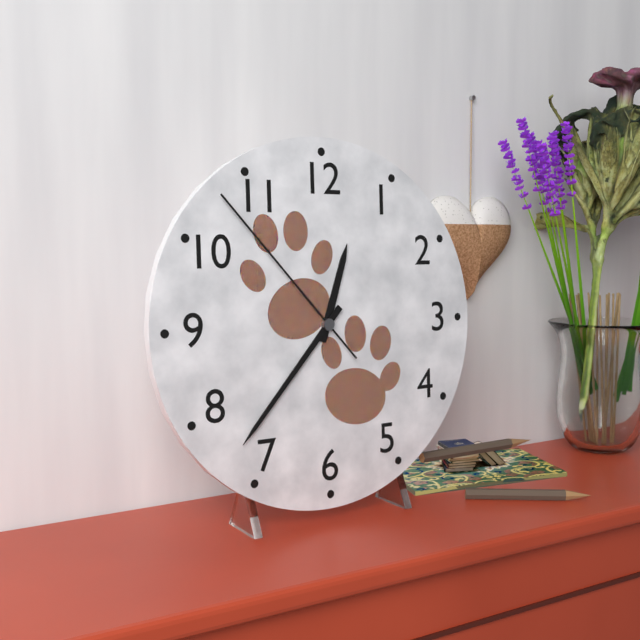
12h37m53s
